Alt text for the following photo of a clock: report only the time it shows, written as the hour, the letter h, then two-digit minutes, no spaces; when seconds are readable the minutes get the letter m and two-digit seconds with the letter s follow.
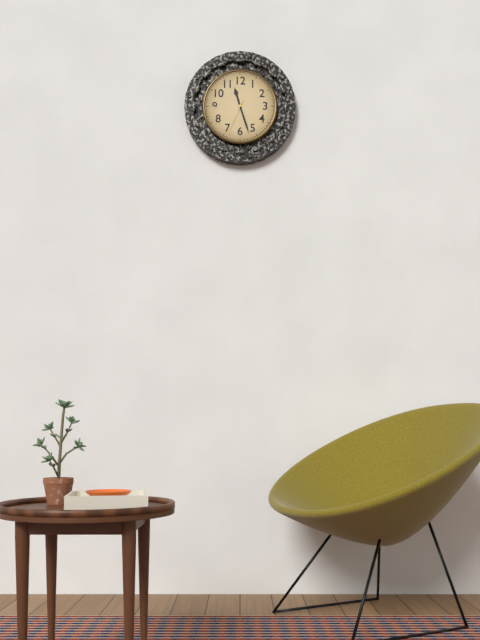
11h27
